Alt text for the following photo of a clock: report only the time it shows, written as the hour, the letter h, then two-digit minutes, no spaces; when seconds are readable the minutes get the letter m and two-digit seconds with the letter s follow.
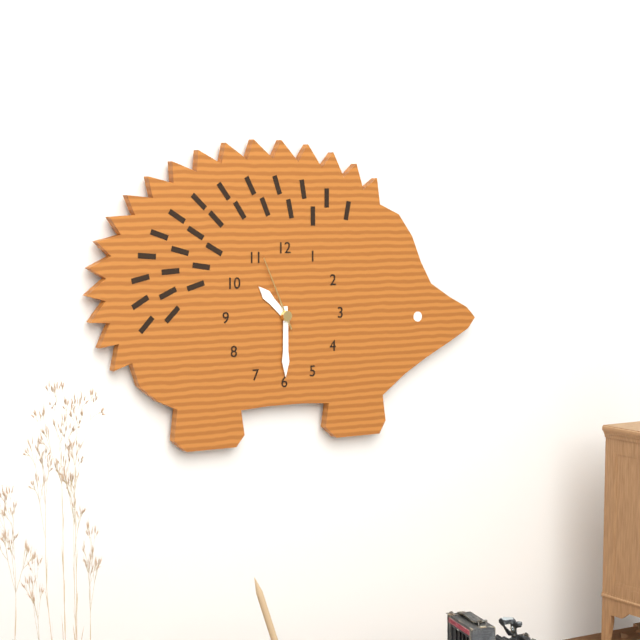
10h30m56s
